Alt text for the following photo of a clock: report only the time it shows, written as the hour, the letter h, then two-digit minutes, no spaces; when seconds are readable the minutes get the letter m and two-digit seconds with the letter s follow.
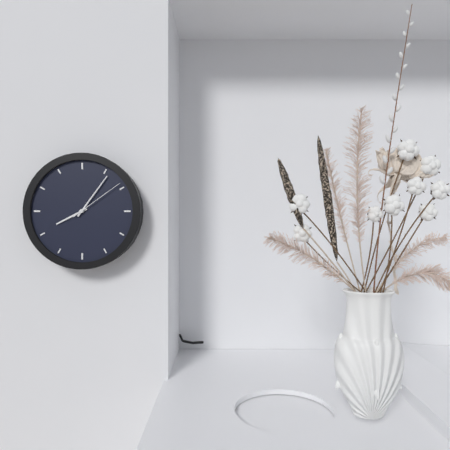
8h06m09s
